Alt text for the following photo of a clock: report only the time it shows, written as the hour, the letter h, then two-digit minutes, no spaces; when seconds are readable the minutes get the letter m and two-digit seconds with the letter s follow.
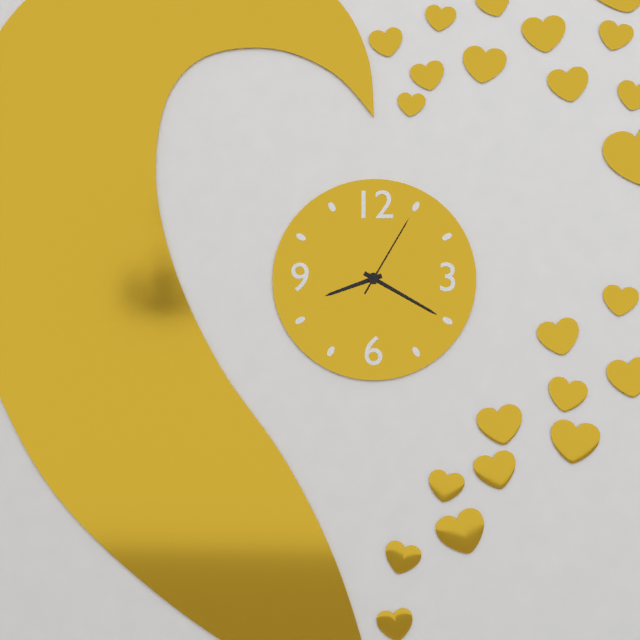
8h20m05s
